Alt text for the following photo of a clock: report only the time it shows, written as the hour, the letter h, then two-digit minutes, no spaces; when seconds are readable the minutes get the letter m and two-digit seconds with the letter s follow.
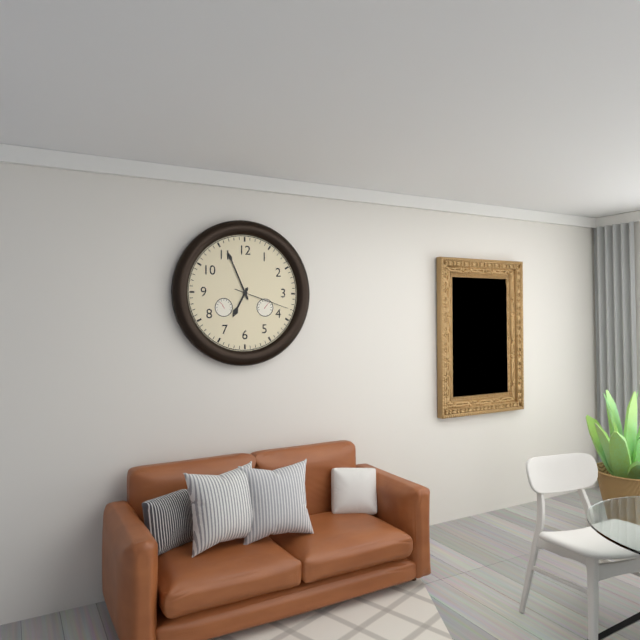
6h56m18s
